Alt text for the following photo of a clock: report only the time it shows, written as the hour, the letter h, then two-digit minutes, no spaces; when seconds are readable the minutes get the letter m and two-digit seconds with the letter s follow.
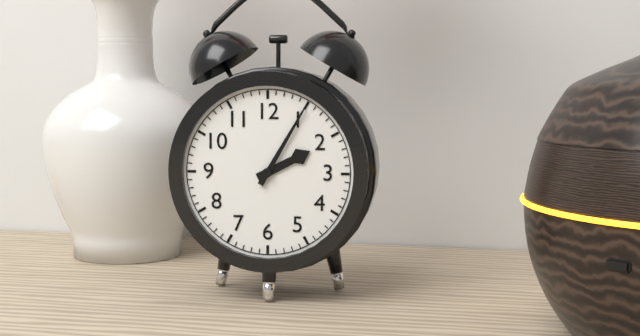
2h05
